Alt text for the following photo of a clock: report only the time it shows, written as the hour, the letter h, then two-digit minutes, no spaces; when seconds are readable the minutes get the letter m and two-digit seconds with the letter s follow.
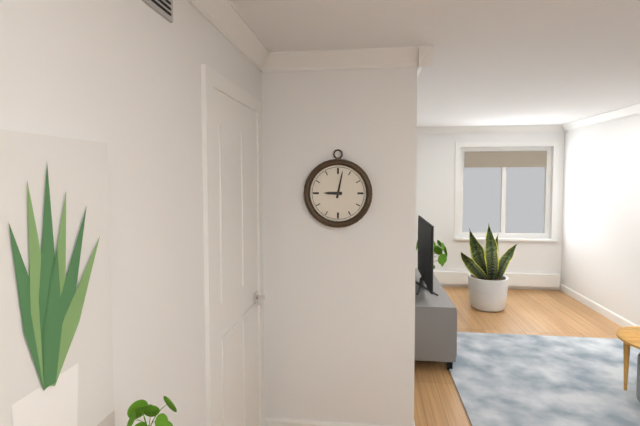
9h02
